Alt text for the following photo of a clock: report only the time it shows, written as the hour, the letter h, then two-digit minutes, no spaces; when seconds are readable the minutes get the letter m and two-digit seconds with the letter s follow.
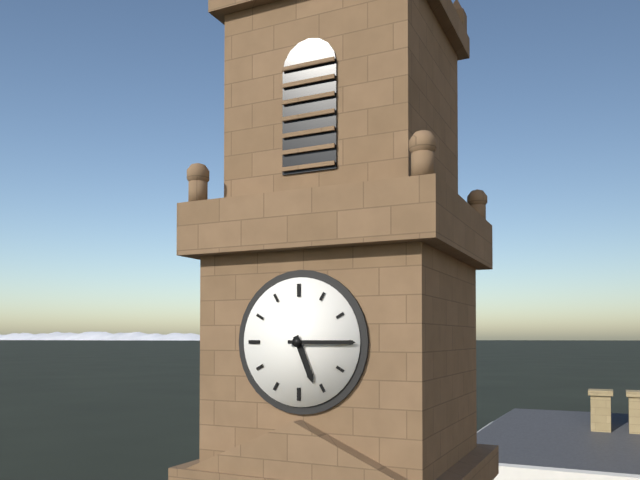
5h15
